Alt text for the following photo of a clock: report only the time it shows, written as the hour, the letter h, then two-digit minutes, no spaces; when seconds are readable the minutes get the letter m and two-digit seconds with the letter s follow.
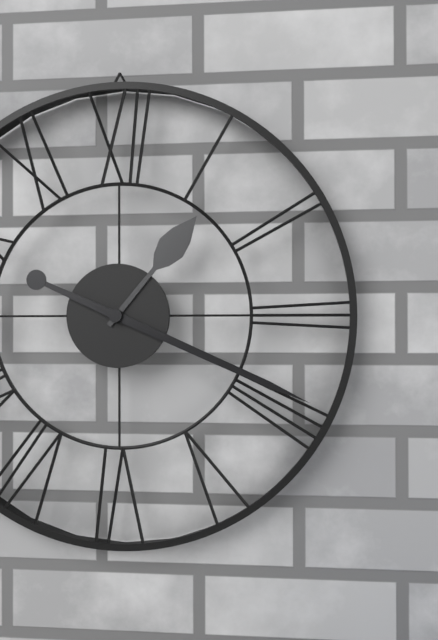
1h19
